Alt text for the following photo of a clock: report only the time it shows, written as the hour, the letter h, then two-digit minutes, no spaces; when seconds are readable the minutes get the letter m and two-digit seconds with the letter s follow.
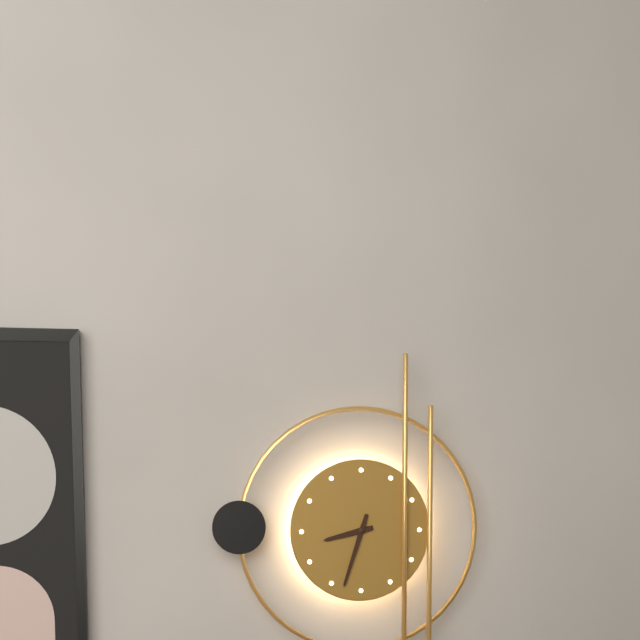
8h33
